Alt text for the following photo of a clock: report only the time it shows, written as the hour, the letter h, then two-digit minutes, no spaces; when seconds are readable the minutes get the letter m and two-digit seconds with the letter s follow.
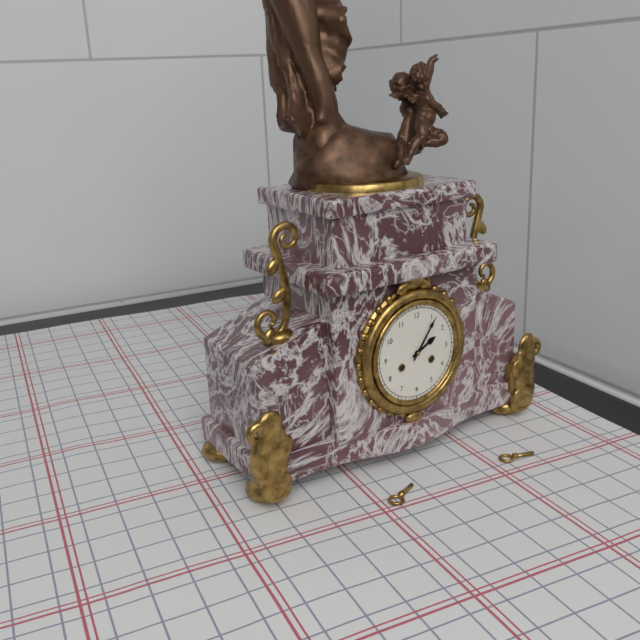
2h06
